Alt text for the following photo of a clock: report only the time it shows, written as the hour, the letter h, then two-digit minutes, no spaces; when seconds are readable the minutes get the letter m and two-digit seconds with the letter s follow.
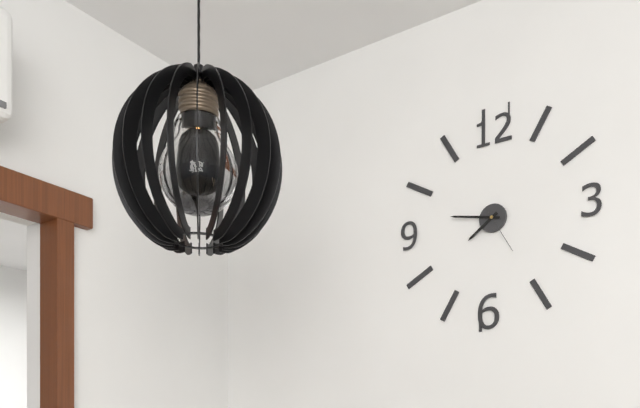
7h47
